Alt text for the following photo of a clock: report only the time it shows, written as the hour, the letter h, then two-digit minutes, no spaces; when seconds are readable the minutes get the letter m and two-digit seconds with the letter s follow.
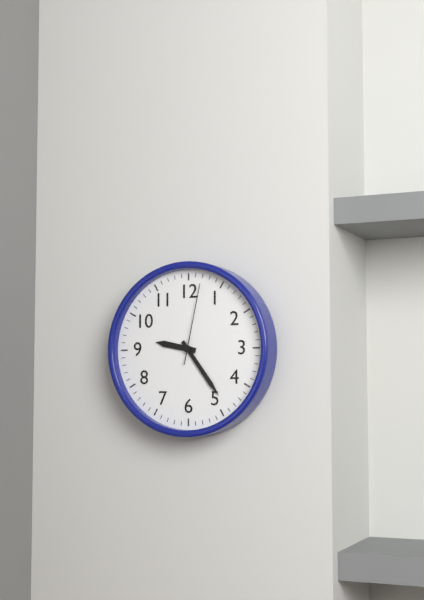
9h24m02s
